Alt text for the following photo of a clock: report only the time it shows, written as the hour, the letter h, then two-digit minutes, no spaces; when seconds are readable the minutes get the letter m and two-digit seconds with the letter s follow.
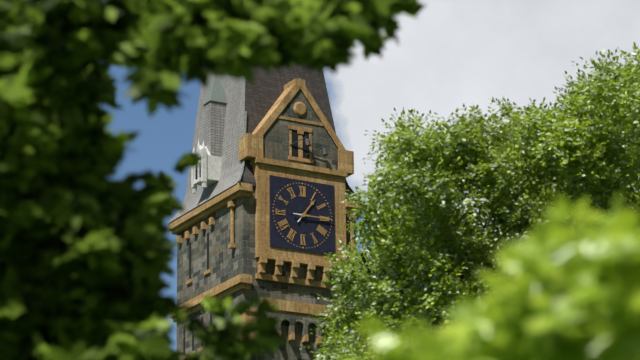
1h15
